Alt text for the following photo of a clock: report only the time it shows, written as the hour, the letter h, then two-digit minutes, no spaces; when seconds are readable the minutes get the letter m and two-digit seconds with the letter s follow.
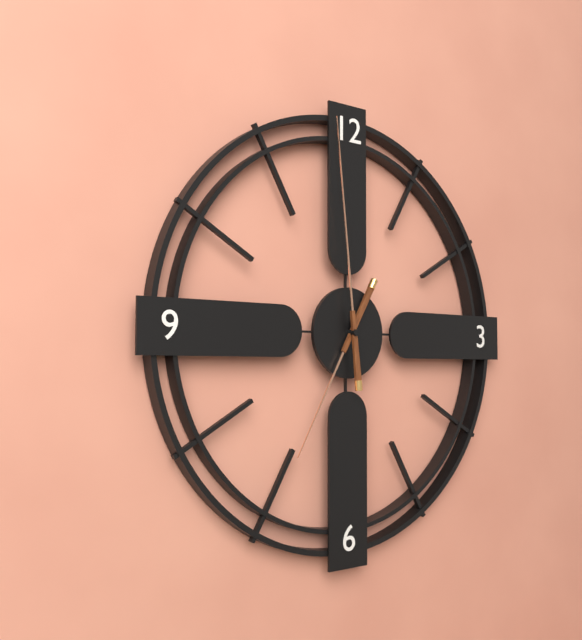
6h59
